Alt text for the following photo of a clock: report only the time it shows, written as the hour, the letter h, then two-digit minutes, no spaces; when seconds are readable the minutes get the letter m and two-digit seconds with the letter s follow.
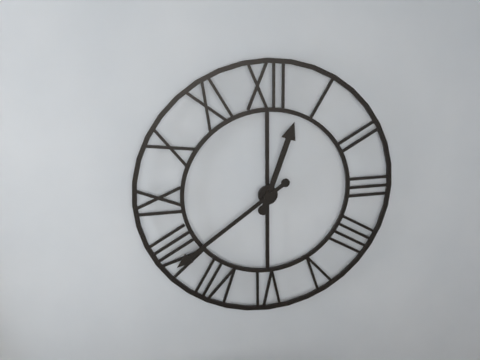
12h39
